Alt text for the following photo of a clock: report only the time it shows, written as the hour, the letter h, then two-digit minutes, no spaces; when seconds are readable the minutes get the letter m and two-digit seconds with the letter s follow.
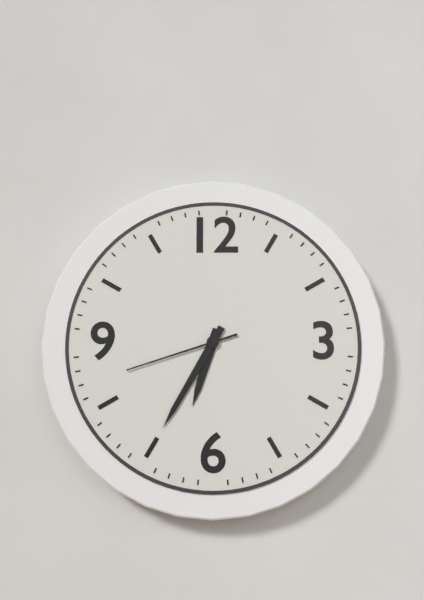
6h35m42s
